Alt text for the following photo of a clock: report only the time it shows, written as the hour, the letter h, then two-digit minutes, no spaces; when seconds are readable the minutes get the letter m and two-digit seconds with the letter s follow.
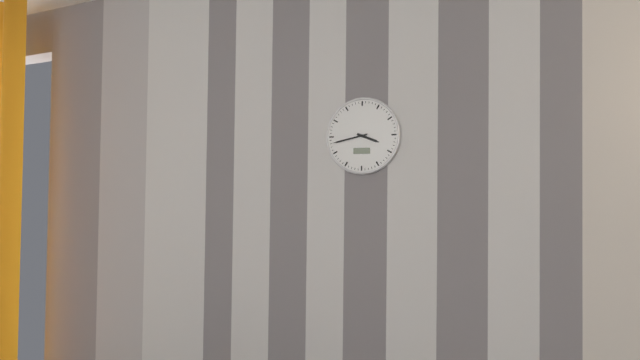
3h43
